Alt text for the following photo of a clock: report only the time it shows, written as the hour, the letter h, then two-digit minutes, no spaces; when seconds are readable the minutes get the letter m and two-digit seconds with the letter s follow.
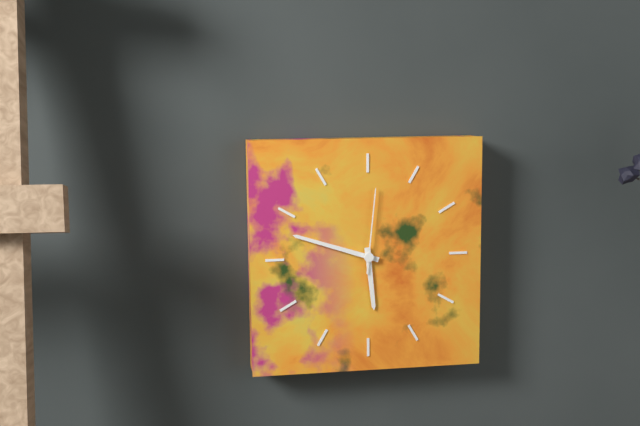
5h48m01s
